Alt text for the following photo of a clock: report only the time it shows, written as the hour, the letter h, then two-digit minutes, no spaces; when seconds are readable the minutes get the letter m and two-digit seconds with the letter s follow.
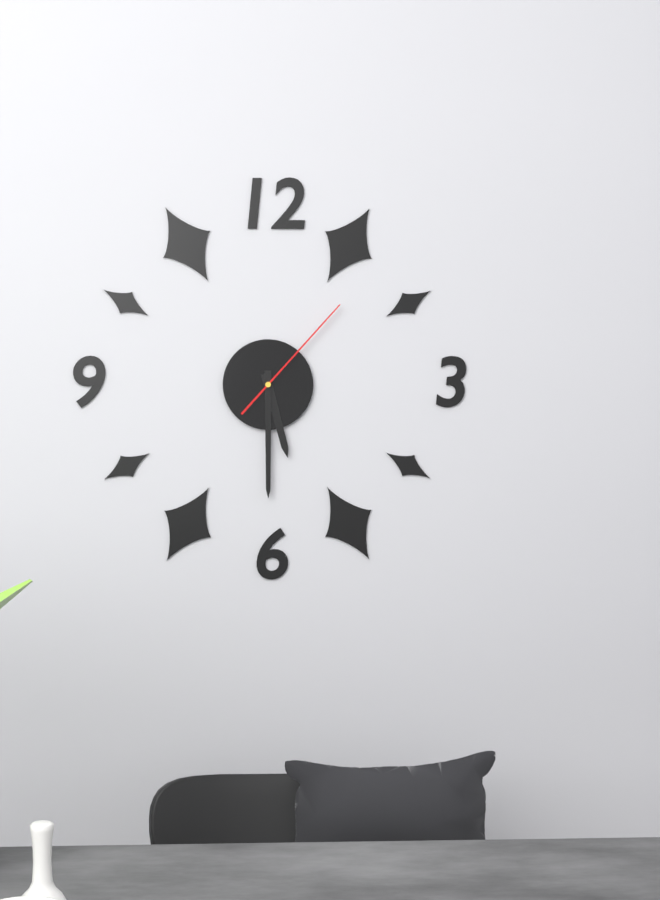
5h30m07s
